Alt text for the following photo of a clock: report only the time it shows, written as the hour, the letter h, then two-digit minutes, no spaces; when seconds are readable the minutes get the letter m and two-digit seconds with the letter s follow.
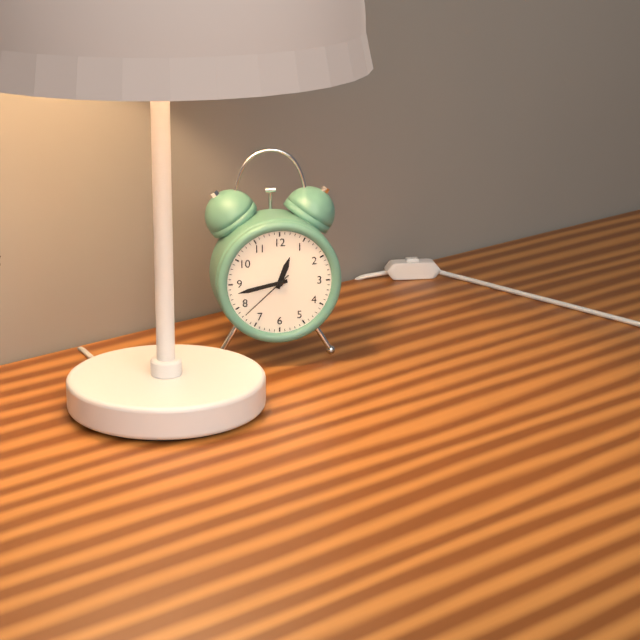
12h43m38s
